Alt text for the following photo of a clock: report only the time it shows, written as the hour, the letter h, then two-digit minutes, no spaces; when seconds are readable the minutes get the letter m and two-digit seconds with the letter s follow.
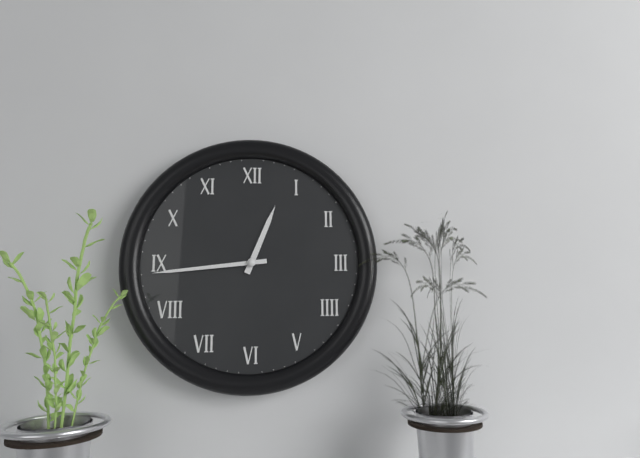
12h44
